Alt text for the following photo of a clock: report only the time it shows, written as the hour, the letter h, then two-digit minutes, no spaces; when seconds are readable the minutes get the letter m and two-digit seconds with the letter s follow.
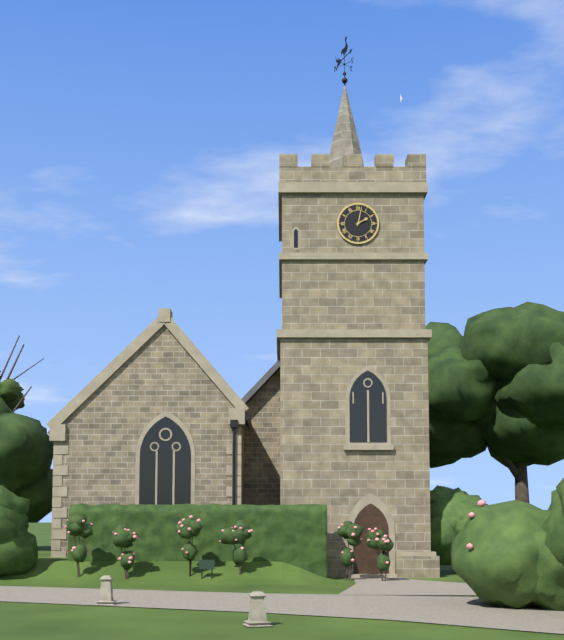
2h02
